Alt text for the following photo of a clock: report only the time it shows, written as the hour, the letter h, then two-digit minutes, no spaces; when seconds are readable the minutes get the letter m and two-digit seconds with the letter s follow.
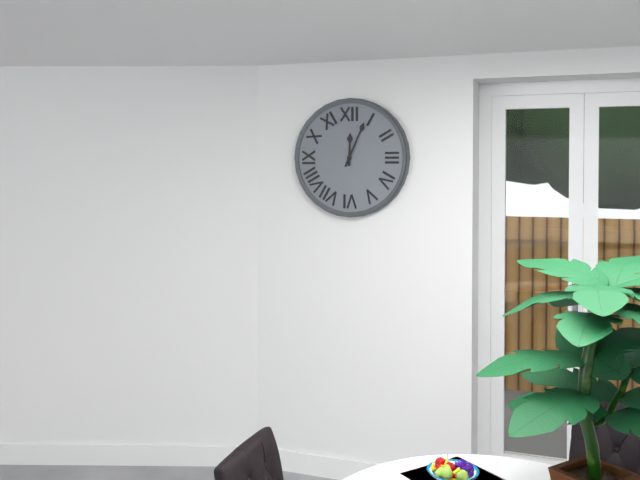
12h04
